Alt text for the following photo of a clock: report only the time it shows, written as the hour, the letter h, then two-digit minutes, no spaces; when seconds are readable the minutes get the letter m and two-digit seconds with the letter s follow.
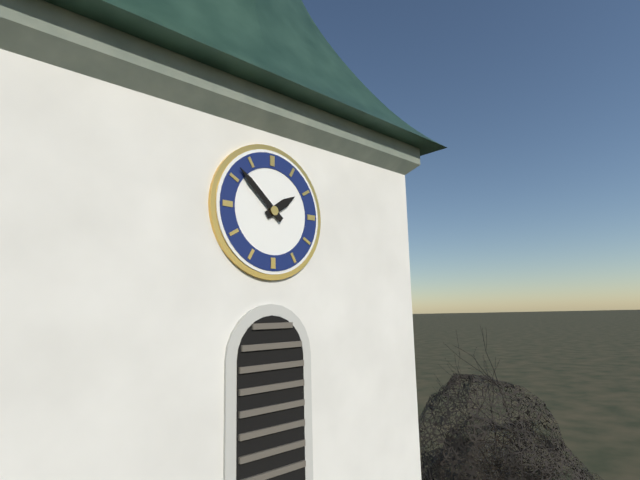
1h52
